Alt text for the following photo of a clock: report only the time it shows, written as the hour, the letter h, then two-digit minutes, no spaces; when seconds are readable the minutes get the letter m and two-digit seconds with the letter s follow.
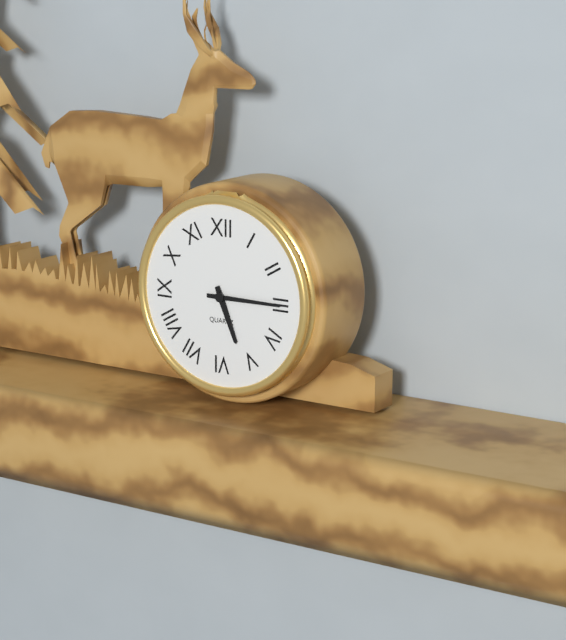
5h15
